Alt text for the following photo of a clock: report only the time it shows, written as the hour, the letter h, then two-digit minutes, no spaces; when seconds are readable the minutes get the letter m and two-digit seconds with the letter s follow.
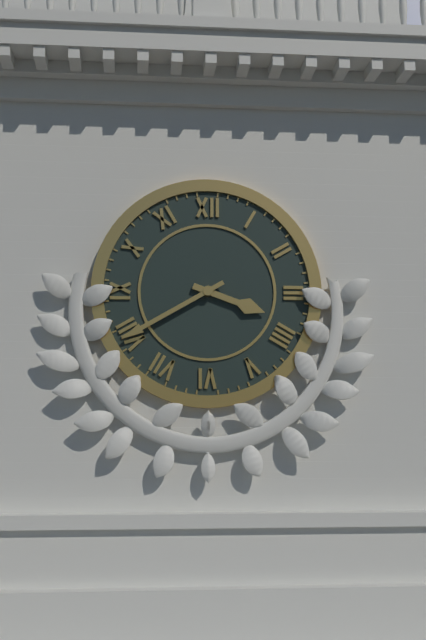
3h40
